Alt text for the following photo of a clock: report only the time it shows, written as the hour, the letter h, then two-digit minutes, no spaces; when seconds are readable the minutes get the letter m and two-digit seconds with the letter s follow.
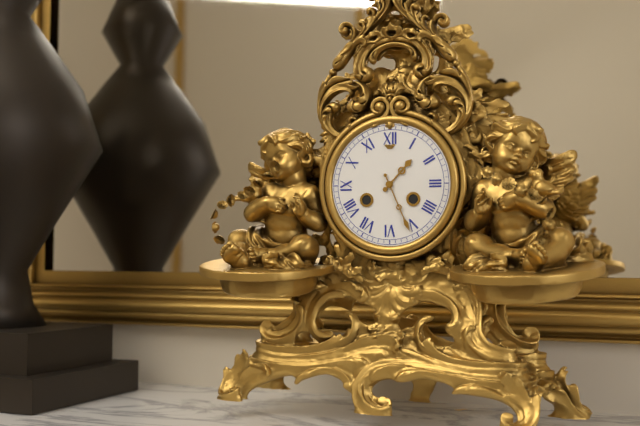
1h26
